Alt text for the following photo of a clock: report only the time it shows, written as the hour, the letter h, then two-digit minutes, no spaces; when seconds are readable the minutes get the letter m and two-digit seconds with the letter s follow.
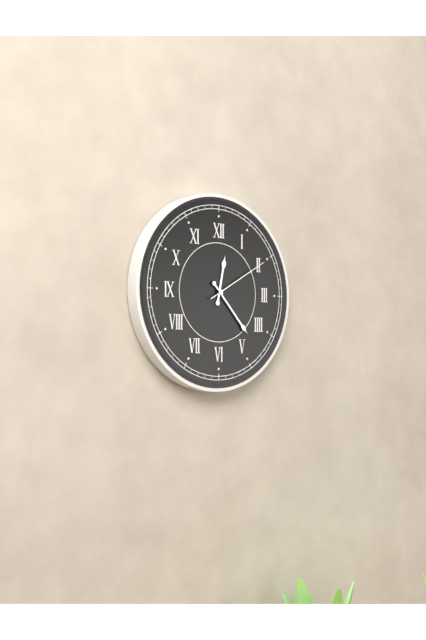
12h23m10s
